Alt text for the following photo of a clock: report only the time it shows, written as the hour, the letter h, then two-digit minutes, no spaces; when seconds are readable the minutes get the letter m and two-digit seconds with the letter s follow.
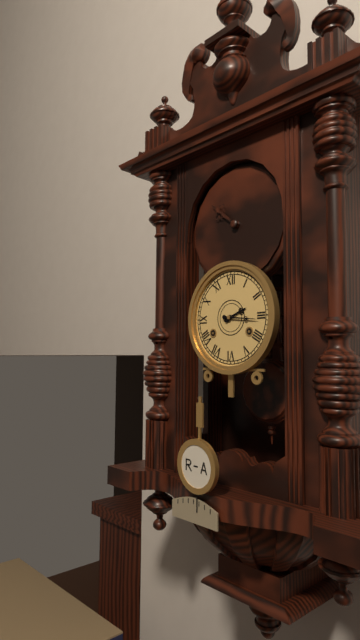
2h16
